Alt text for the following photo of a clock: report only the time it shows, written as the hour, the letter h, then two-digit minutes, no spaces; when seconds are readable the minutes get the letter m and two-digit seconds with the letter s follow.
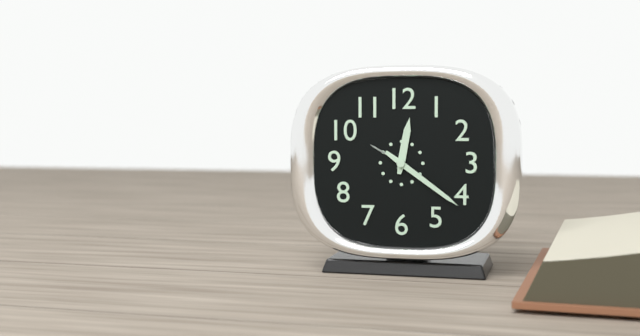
12h21
